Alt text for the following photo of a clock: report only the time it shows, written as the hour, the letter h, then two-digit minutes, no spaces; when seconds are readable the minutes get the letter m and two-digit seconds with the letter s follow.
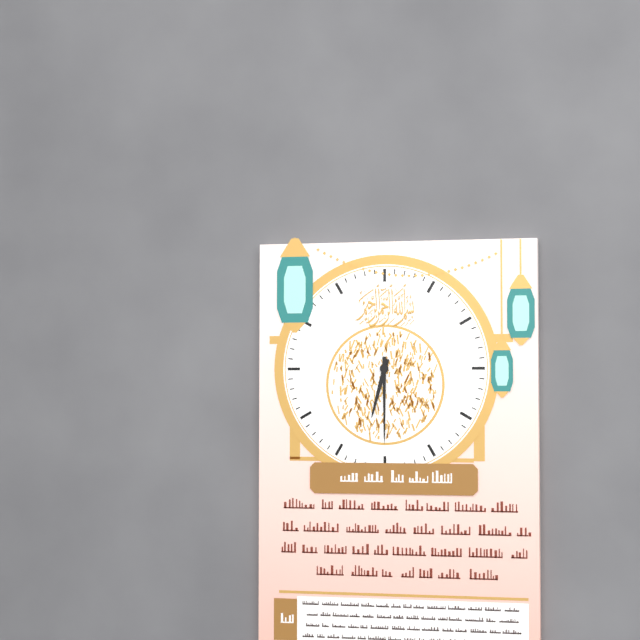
6h30
